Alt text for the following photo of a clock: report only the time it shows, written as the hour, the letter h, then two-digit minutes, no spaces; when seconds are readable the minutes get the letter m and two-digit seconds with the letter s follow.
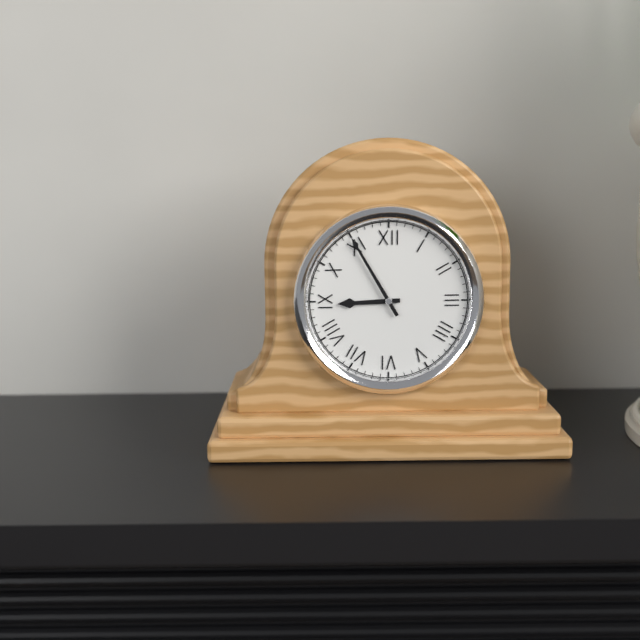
8h55
